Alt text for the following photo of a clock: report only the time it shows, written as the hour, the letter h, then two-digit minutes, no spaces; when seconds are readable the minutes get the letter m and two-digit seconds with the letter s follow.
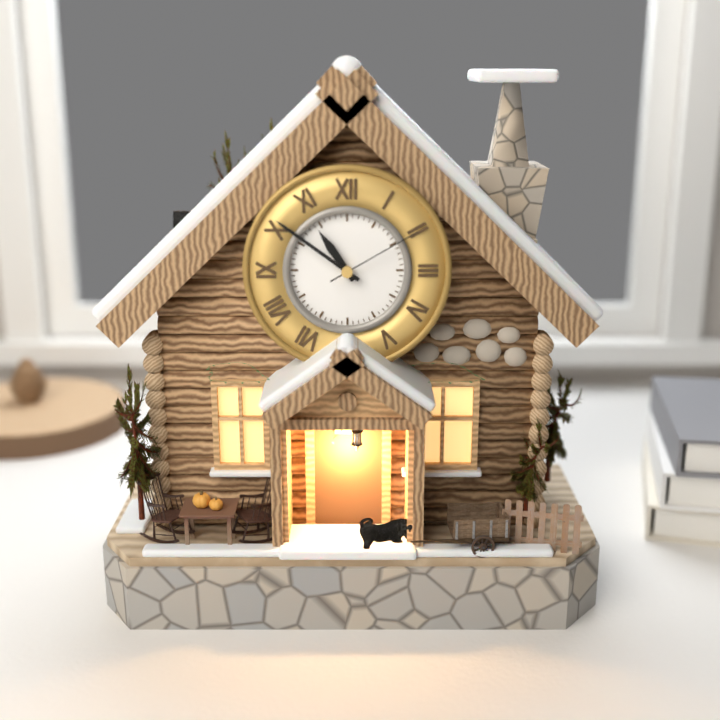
10h51m10s
